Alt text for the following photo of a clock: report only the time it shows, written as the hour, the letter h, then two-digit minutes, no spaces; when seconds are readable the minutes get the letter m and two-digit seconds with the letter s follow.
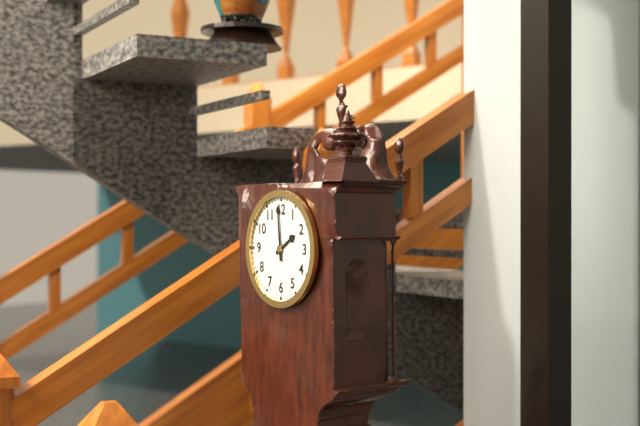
1h59
